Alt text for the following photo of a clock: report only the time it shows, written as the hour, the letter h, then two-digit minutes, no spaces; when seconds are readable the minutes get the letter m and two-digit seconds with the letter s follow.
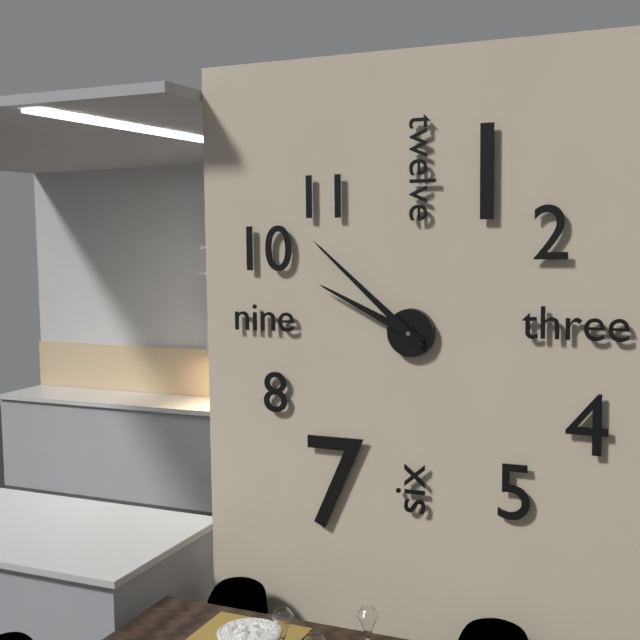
9h52
